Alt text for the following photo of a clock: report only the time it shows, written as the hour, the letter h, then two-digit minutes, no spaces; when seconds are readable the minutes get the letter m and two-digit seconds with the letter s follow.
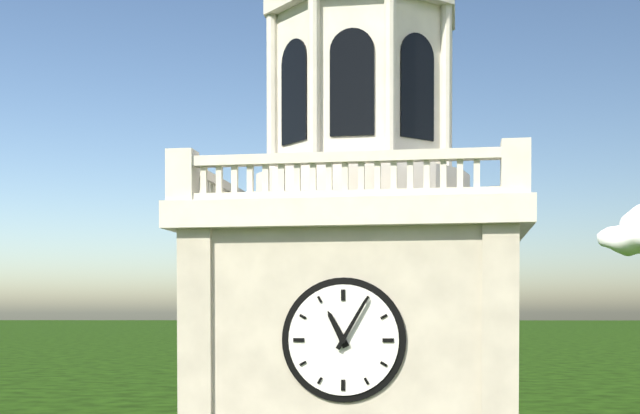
11h05
